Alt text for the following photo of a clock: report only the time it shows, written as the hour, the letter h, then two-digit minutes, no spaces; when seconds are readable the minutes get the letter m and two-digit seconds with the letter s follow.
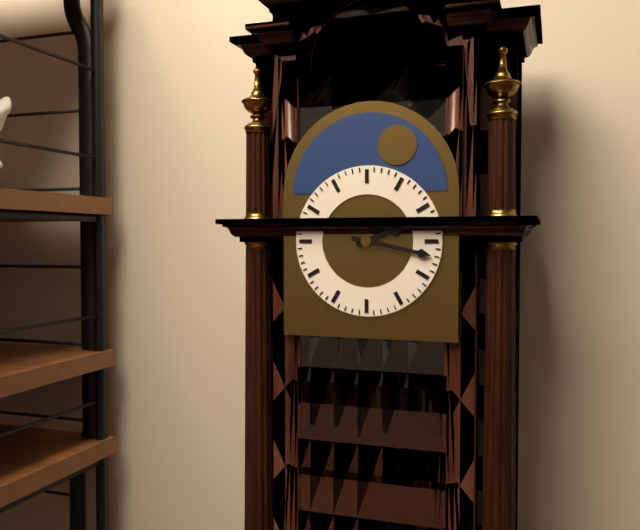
2h17
